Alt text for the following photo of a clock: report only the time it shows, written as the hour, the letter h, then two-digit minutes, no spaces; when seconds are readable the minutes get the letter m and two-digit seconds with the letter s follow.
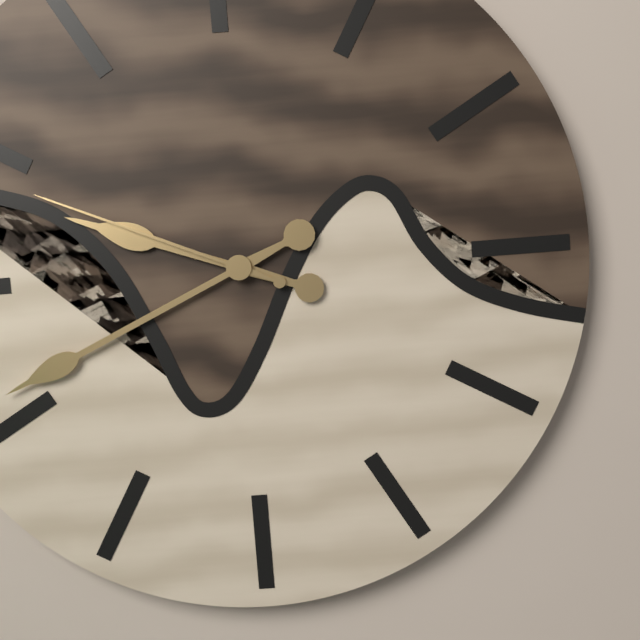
9h41m49s
